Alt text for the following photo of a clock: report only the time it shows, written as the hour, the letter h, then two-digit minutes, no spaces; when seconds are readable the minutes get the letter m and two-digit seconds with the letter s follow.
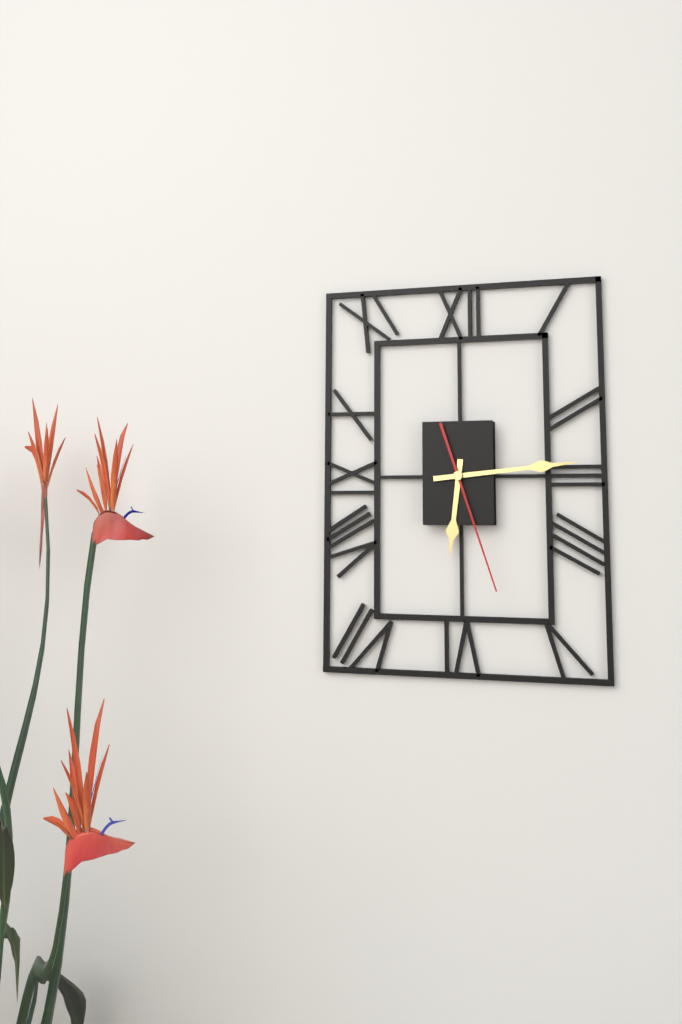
6h14m27s
